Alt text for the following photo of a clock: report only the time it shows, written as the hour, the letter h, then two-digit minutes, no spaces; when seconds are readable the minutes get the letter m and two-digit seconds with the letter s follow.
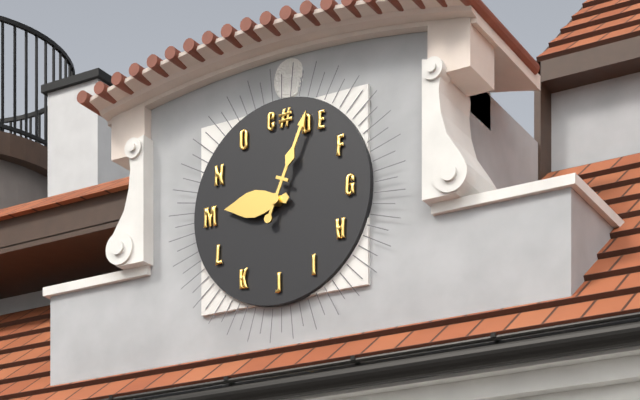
9h04
